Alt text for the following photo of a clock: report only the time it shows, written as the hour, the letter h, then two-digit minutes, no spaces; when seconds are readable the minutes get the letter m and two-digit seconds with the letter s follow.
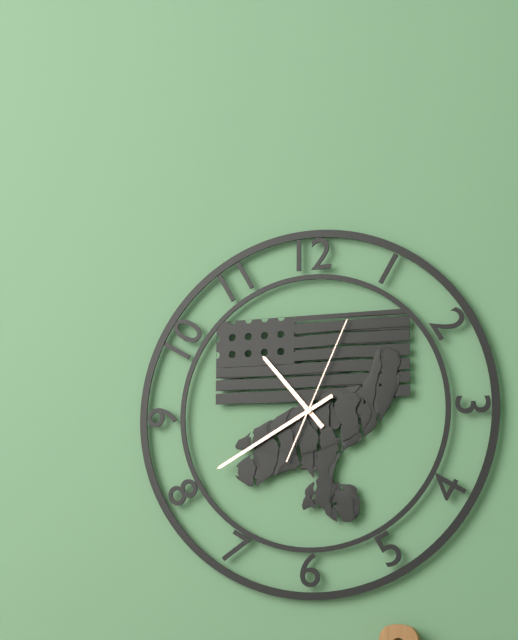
10h40m04s
